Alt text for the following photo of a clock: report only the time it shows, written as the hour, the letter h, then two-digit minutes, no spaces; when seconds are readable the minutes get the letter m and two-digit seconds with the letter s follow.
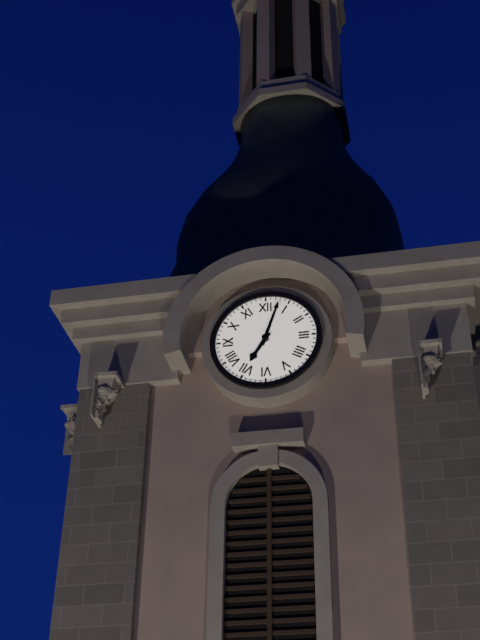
7h03
